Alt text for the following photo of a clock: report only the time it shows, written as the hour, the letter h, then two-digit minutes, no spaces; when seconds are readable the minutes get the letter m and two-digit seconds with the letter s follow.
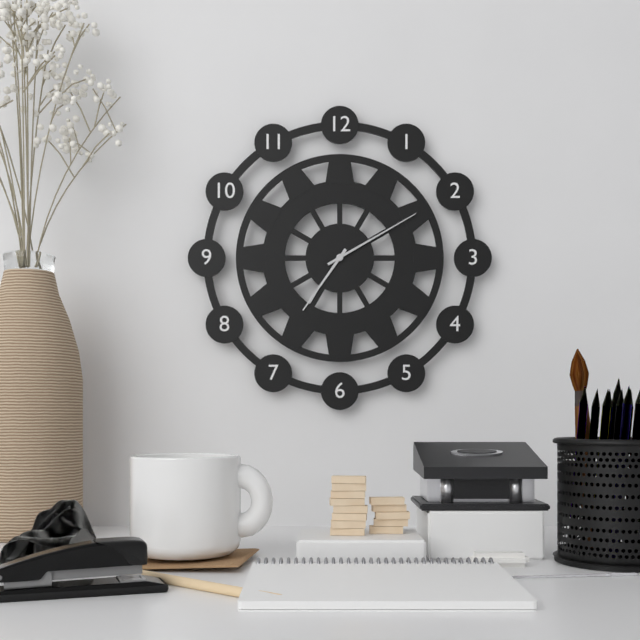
7h10
